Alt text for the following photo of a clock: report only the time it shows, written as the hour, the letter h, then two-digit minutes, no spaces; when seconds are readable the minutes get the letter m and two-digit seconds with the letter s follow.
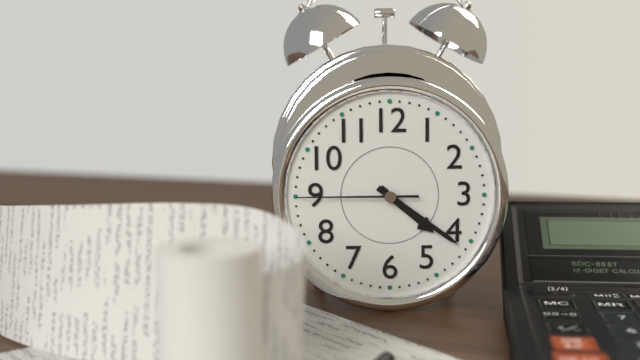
4h21m45s
